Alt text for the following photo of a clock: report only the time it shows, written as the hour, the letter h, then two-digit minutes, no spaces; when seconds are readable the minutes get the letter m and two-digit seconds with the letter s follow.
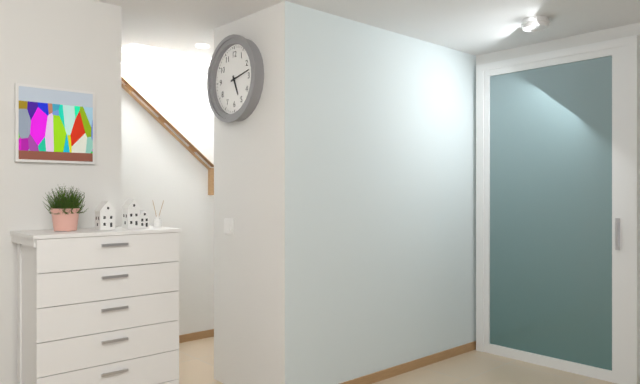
5h13
